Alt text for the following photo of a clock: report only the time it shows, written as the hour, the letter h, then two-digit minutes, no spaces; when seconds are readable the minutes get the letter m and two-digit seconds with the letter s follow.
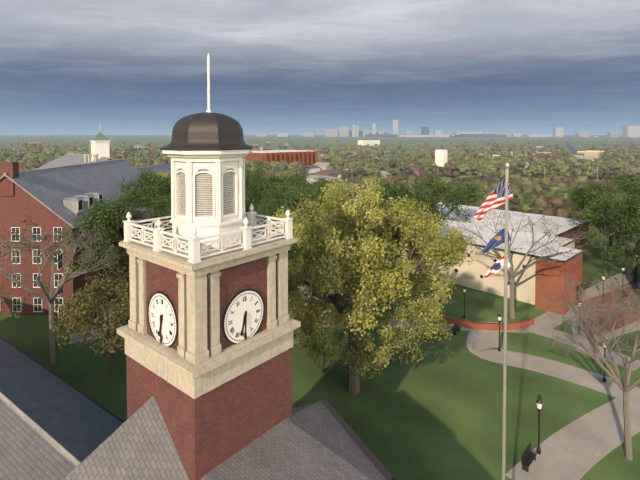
6h30
